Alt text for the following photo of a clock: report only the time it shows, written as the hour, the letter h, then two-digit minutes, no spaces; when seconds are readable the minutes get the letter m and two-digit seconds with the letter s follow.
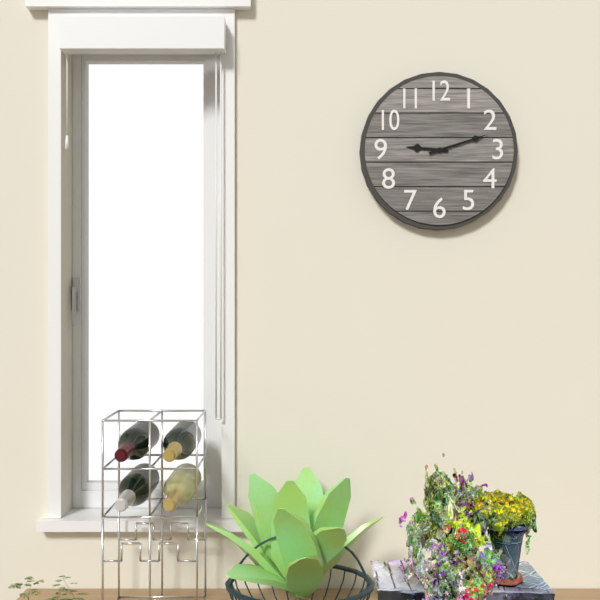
9h12
